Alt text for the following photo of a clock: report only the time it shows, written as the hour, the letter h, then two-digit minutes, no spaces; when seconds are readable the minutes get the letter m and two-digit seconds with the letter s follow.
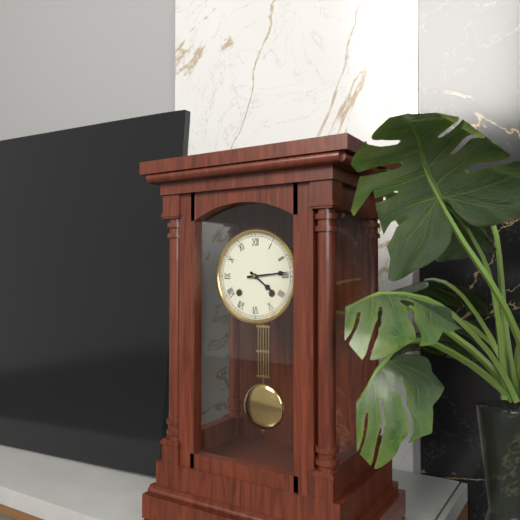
4h14
